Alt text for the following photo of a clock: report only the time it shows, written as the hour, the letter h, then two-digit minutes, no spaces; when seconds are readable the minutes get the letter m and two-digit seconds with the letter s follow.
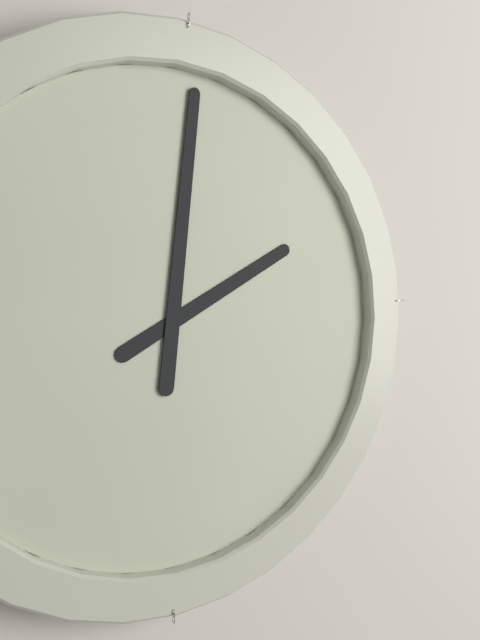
2h01
